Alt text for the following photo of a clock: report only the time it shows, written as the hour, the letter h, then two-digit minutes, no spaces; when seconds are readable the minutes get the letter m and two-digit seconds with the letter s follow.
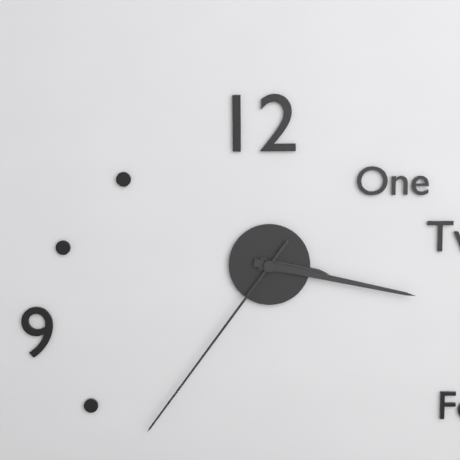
3h17m36s
